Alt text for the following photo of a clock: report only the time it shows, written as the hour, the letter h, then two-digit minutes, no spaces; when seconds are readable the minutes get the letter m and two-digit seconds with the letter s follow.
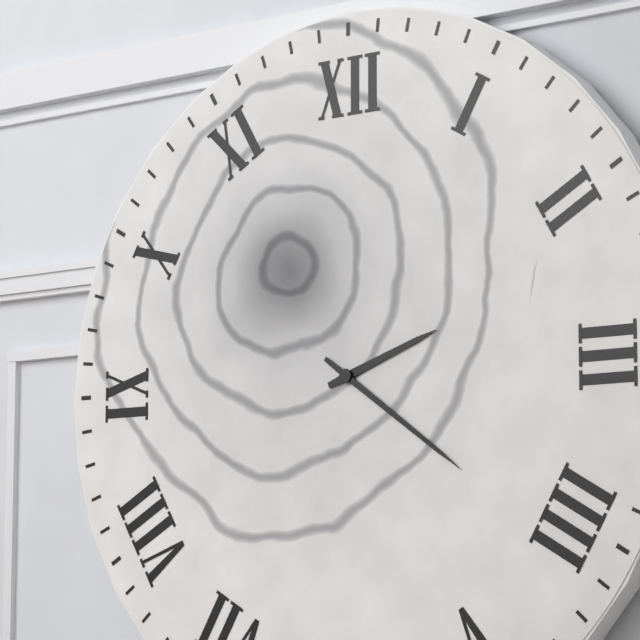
2h21
